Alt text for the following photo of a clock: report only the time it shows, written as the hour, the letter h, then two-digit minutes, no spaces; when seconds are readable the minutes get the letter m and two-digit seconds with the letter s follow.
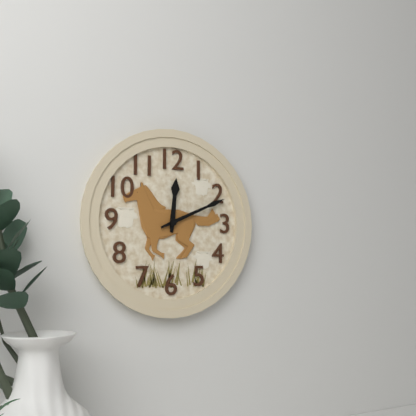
12h11
